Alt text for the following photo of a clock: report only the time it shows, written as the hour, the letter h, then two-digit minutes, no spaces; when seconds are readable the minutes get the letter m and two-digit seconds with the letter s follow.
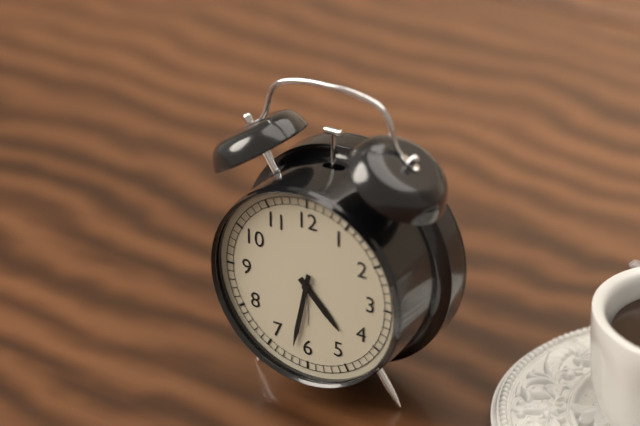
4h32
